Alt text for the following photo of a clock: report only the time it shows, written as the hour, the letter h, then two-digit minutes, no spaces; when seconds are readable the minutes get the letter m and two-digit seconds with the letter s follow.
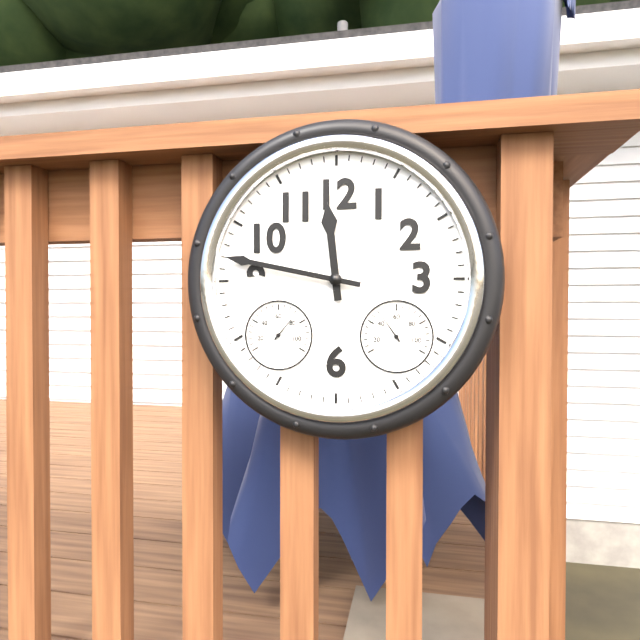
11h47
